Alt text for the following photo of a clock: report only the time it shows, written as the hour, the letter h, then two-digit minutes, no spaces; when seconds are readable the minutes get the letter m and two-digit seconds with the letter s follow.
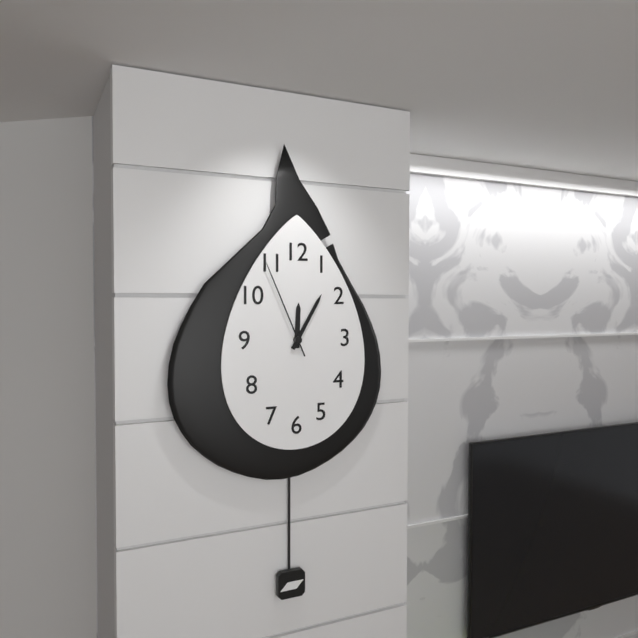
12h05m56s
